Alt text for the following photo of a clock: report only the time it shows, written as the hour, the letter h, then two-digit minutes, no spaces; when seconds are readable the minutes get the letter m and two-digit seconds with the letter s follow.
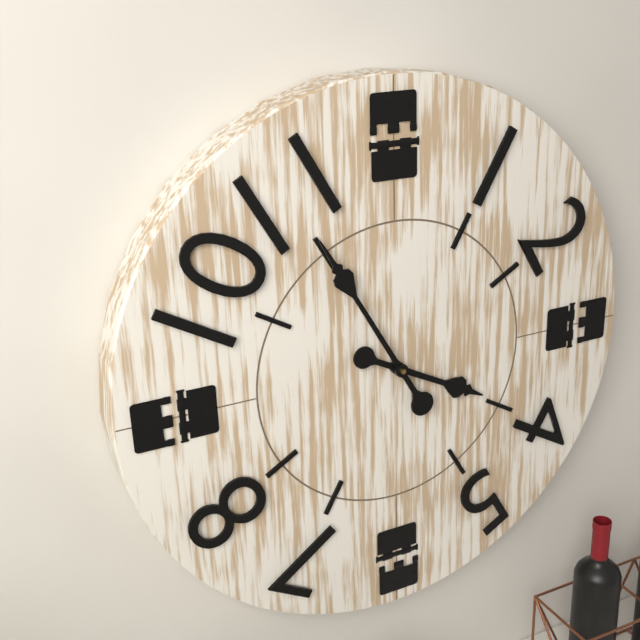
3h55
